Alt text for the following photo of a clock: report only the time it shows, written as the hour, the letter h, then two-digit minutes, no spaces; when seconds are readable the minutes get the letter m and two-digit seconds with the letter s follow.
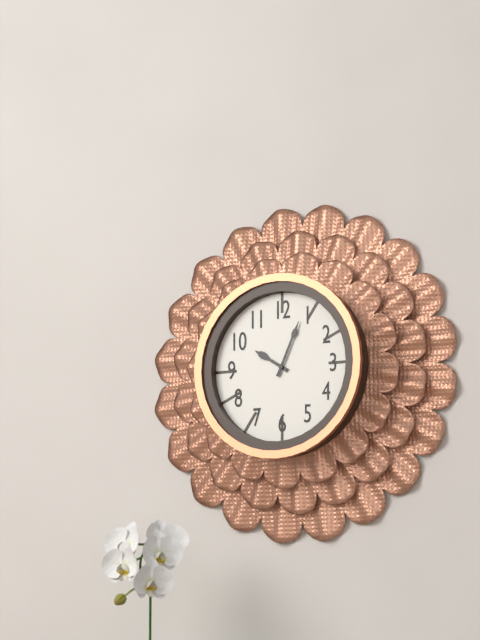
10h04
